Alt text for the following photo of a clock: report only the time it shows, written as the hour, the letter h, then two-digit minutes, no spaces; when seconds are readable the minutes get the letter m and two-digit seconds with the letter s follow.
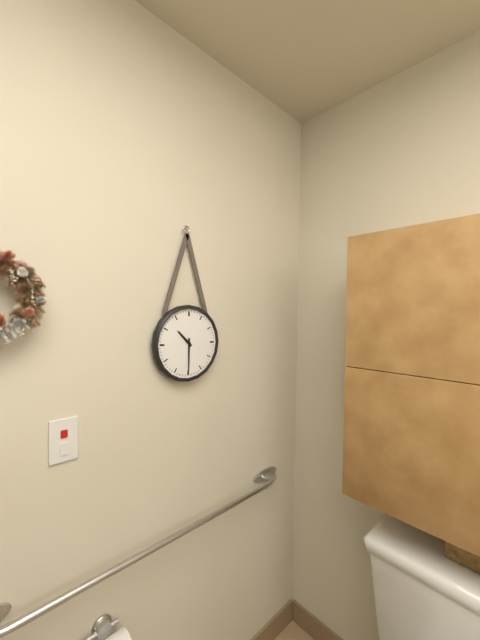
10h30
